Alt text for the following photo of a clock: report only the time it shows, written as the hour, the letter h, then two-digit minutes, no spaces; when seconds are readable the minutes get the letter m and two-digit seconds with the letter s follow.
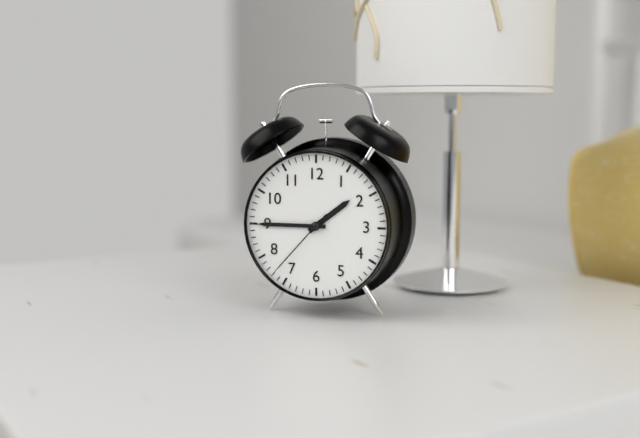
1h45m37s
